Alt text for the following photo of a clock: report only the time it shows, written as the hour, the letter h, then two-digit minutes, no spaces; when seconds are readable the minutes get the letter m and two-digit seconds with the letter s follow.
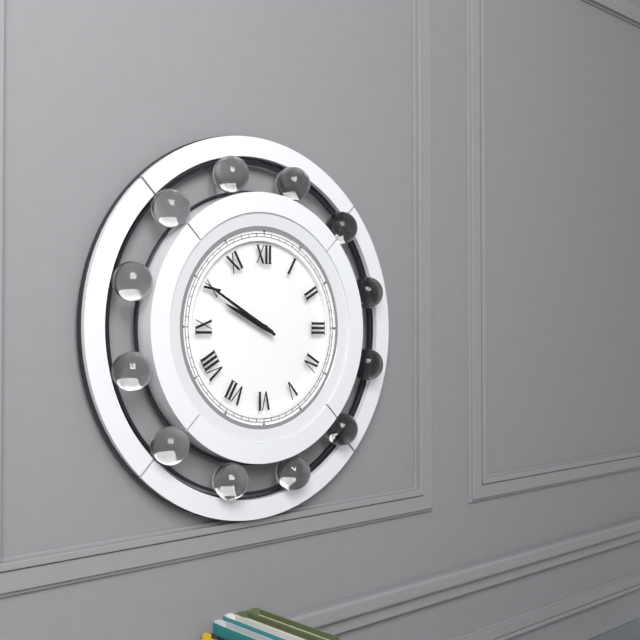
9h50
